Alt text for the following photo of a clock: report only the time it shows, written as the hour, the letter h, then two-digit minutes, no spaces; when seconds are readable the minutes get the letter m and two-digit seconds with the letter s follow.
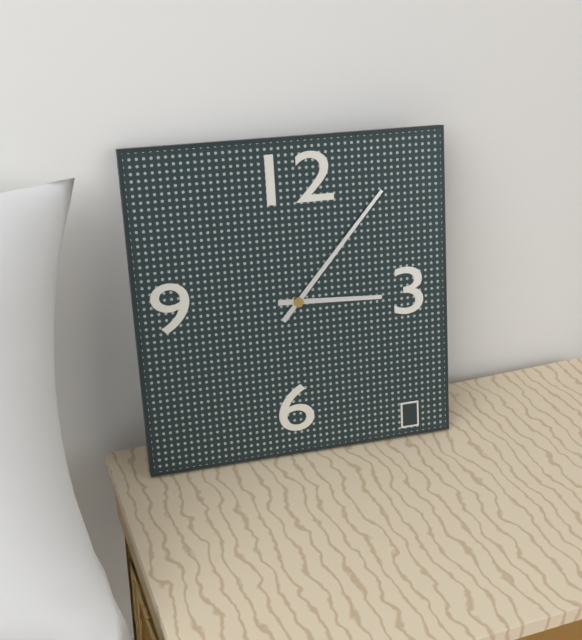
3h07
